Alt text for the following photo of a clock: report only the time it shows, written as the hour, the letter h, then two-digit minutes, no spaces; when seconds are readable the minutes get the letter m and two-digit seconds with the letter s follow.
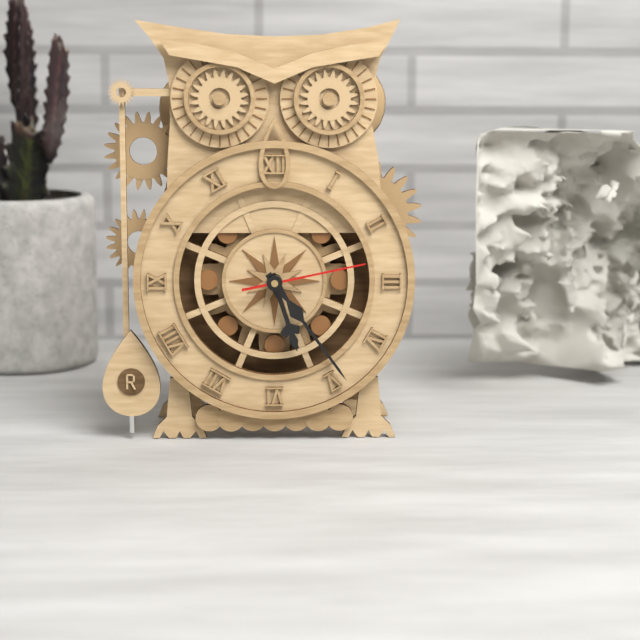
5h24m13s
